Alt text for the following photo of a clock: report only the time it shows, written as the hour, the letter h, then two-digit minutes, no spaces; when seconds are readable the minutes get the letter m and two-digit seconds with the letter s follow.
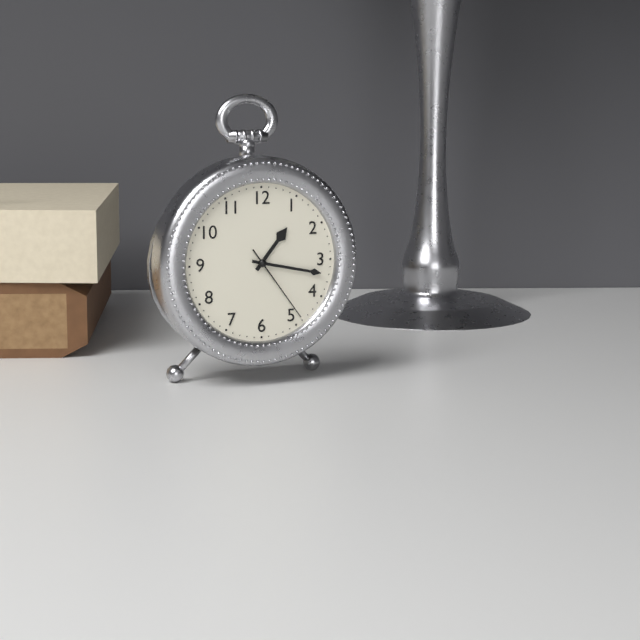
1h17m24s
